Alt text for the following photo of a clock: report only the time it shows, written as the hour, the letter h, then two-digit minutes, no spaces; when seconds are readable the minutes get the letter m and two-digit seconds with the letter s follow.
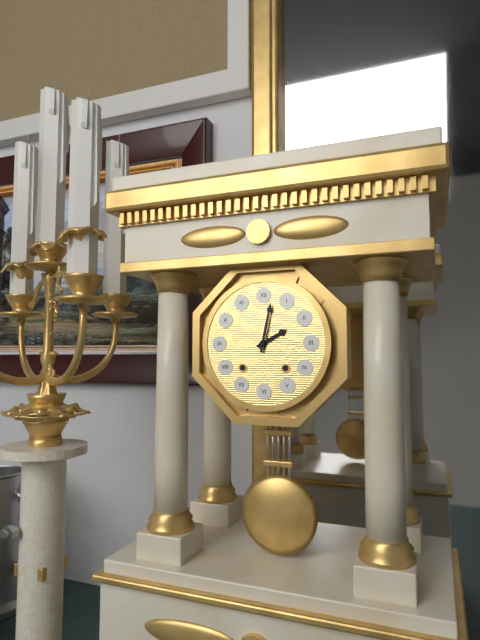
2h02
